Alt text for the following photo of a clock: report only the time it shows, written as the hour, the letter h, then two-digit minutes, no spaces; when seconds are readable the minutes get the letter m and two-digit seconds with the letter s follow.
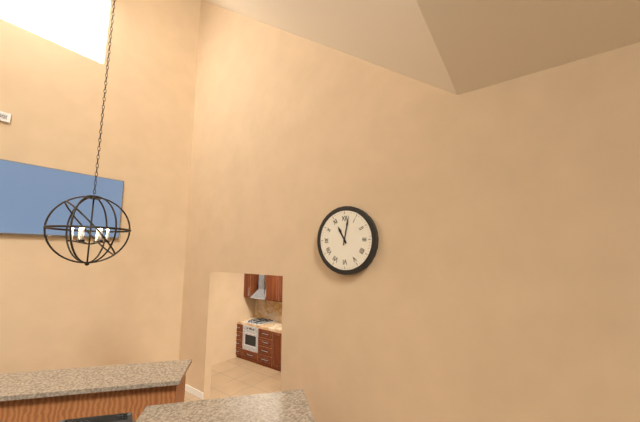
11h02
